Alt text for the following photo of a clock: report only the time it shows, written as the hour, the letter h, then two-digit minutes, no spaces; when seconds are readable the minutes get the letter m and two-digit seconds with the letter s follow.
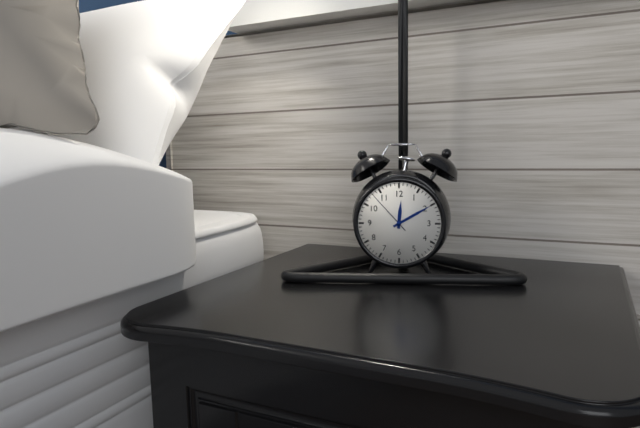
12h10
